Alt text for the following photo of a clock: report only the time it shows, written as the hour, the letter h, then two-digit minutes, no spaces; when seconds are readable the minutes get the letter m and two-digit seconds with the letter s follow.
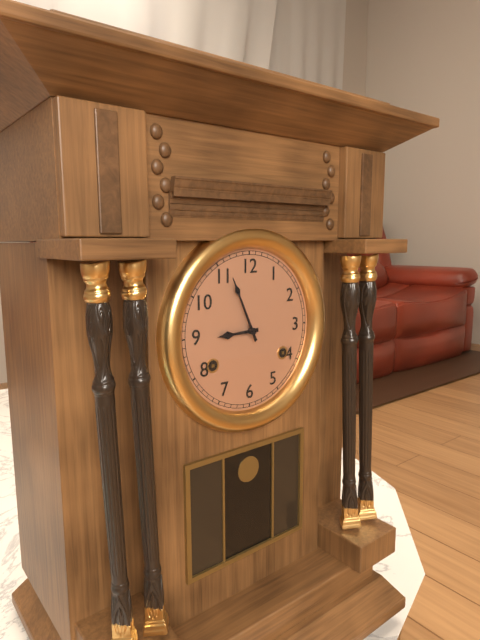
8h56
